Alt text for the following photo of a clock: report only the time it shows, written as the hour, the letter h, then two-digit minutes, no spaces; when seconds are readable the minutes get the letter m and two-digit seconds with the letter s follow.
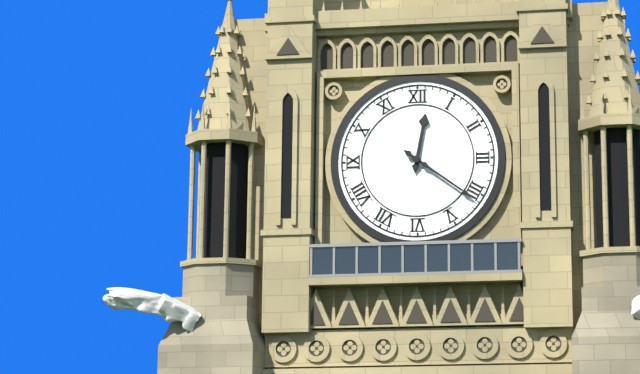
12h21
